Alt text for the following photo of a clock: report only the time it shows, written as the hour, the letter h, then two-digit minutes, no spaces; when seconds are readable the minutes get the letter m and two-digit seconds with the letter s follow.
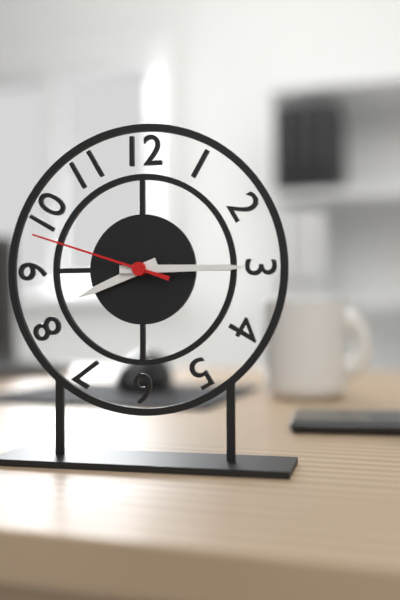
8h15m48s
